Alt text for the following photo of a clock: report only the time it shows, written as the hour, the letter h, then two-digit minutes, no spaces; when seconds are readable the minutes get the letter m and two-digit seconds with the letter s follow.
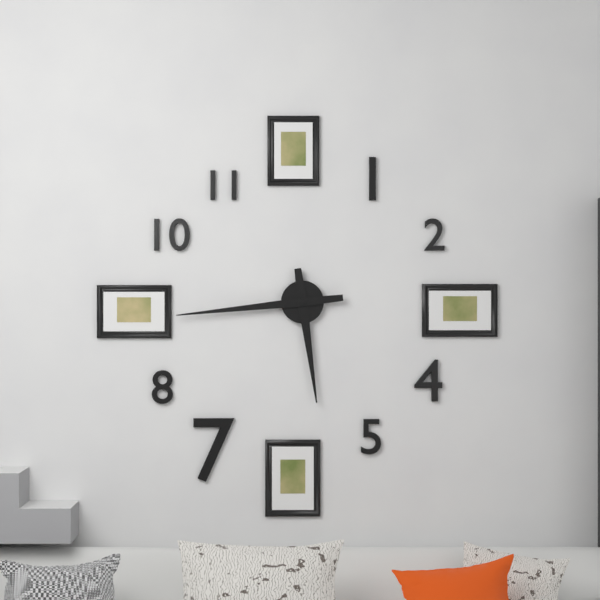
5h44
